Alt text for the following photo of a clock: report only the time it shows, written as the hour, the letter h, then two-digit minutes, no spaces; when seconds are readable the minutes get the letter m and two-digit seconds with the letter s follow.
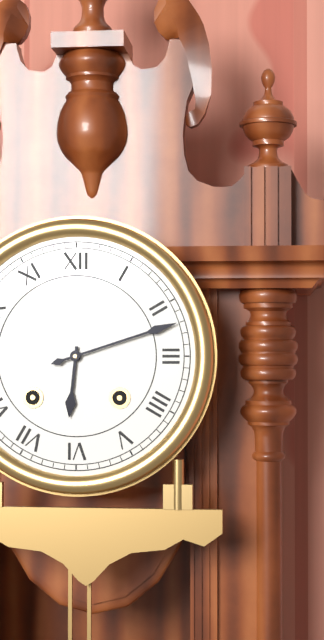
6h12
